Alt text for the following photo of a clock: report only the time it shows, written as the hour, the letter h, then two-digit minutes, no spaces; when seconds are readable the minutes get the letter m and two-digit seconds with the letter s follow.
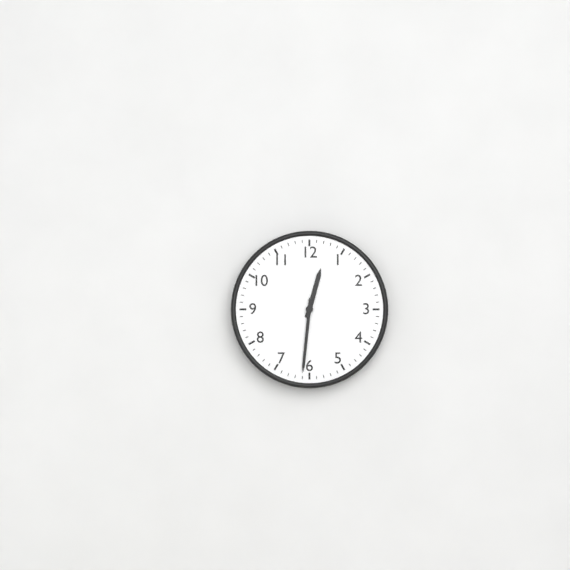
12h31
